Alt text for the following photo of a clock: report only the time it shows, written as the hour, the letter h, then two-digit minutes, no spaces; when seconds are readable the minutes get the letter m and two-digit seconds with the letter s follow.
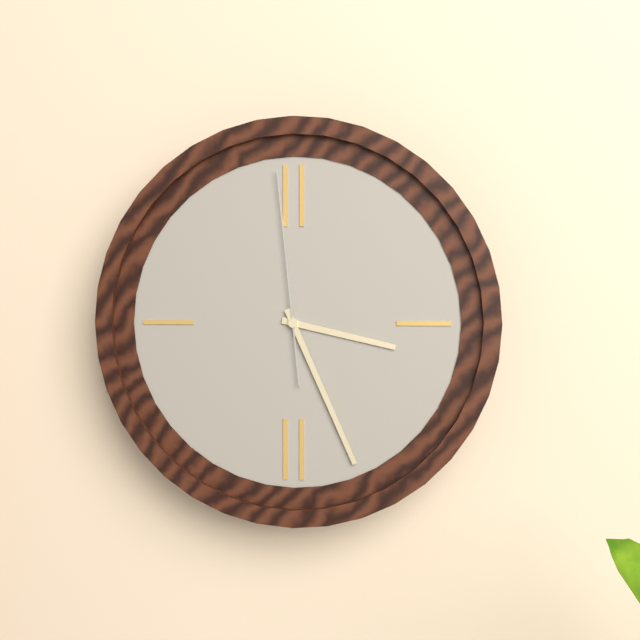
3h26m59s
